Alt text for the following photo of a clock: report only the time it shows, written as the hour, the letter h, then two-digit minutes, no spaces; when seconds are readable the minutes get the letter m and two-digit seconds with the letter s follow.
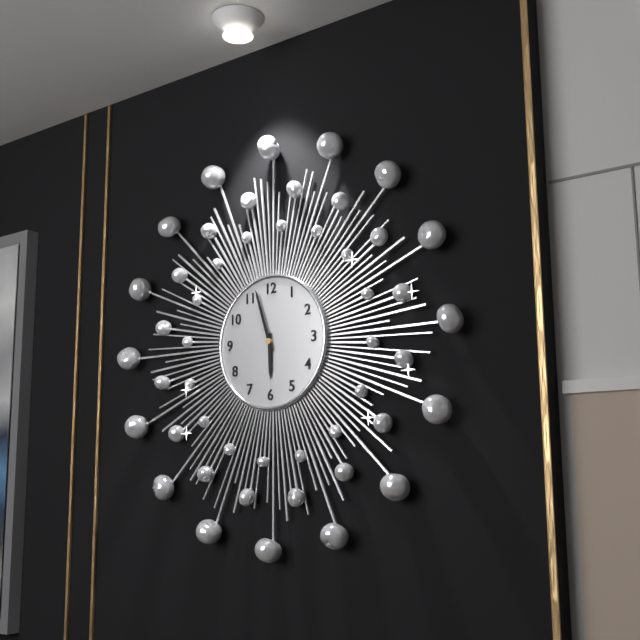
5h57
